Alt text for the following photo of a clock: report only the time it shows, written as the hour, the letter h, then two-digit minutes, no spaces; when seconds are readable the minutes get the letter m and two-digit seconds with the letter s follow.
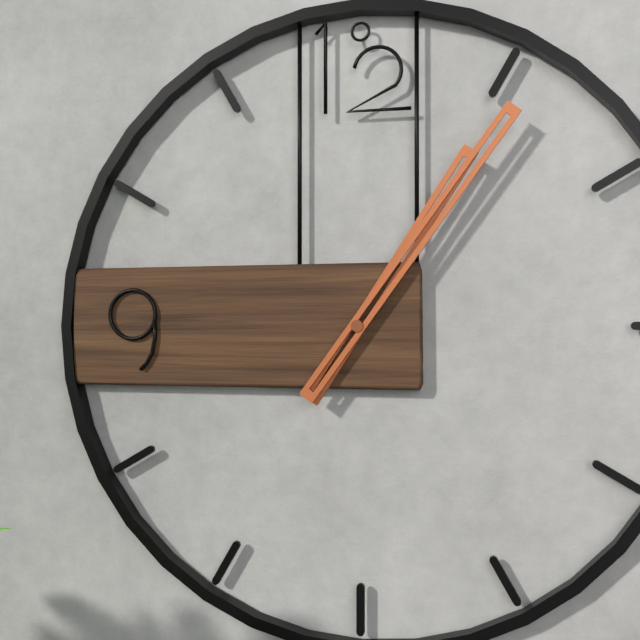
1h06
